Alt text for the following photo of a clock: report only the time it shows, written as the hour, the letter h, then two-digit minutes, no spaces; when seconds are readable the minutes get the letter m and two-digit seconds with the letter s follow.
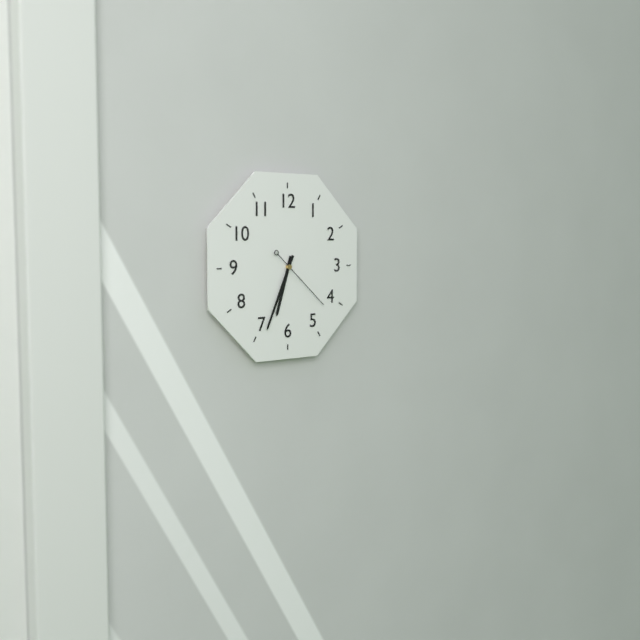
6h34m22s
